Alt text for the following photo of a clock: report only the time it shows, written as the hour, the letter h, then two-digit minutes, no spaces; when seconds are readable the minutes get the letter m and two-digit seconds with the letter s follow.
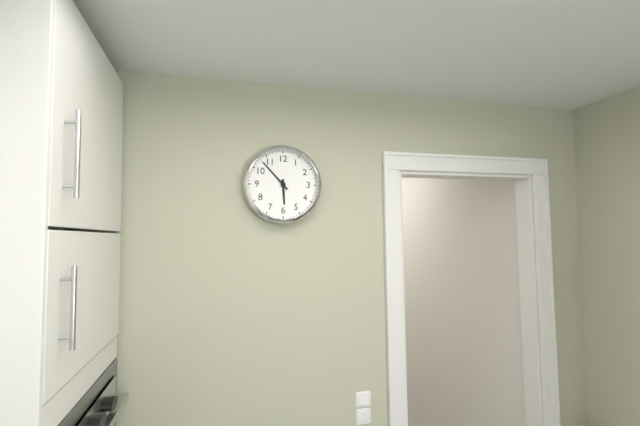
5h53
